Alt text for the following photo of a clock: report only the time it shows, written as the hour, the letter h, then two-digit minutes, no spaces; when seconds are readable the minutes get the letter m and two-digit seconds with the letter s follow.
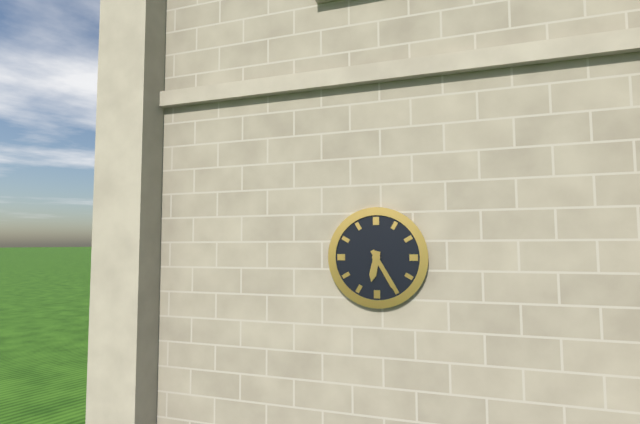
6h25
